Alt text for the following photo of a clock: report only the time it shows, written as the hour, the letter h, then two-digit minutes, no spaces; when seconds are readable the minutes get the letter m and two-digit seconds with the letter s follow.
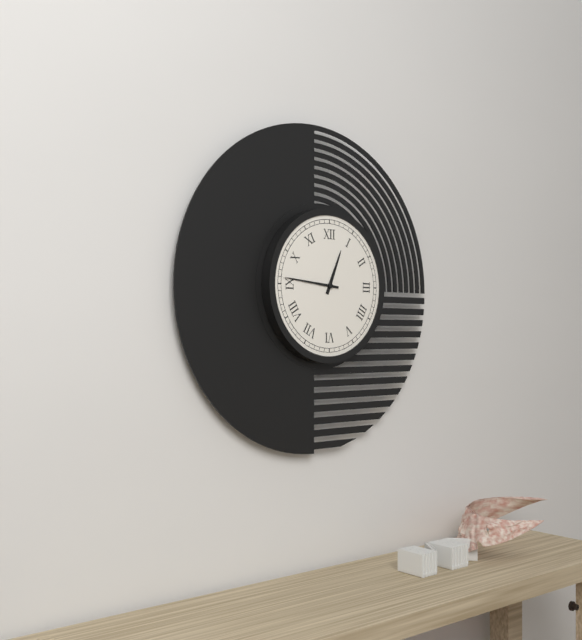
12h46
